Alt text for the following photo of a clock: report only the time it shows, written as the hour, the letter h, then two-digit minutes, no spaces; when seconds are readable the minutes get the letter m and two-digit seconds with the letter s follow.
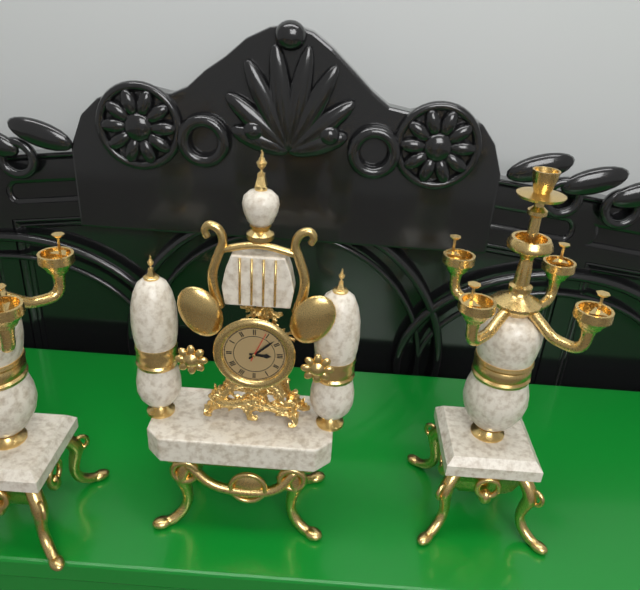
3h08
